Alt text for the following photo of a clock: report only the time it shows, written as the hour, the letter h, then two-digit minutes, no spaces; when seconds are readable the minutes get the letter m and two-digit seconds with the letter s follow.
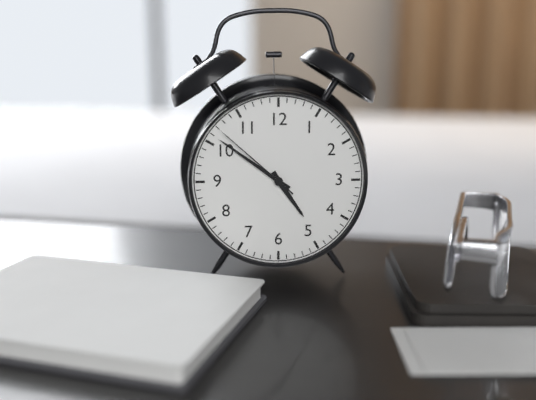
4h51m52s
